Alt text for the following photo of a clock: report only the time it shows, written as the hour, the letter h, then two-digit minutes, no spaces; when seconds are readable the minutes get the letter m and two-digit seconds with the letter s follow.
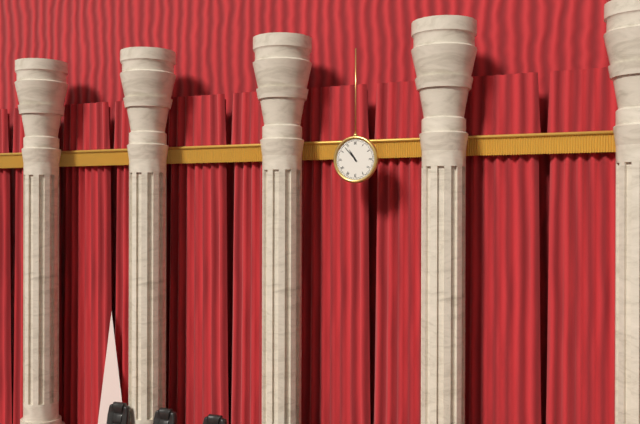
10h53
